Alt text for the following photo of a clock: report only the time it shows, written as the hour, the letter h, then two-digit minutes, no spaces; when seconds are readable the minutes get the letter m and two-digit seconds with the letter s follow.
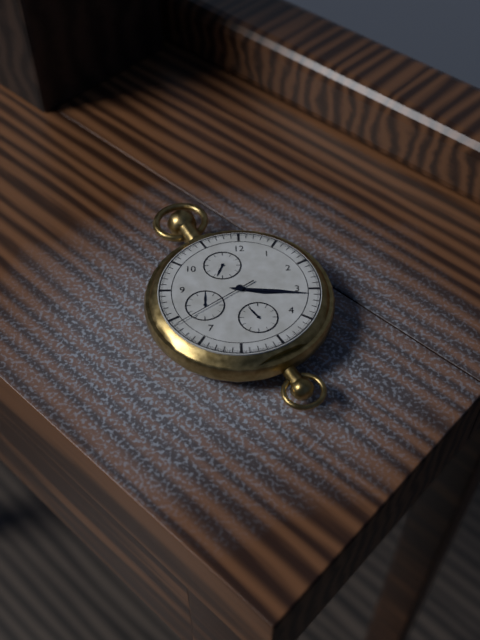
3h16m39s
